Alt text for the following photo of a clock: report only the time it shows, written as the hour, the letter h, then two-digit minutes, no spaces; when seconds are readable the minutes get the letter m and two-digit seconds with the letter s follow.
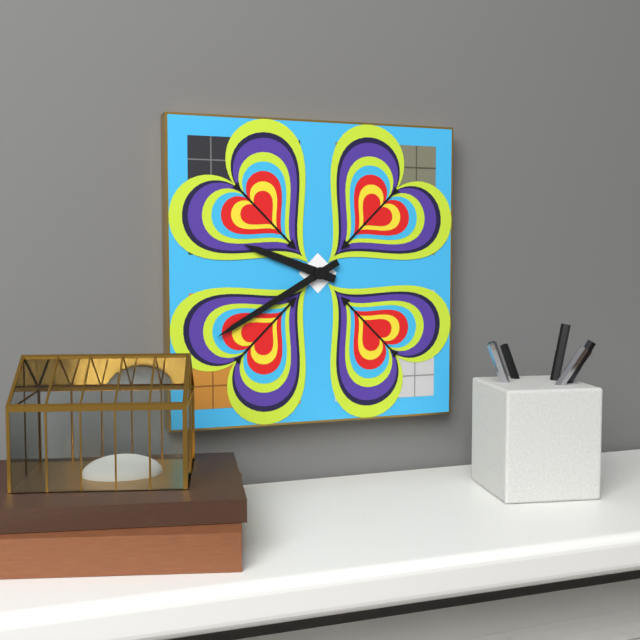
9h40
